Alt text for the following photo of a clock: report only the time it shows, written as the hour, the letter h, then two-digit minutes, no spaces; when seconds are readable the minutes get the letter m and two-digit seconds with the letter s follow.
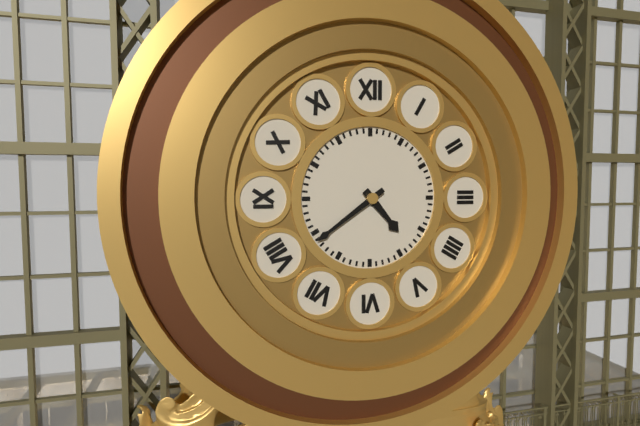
4h39
